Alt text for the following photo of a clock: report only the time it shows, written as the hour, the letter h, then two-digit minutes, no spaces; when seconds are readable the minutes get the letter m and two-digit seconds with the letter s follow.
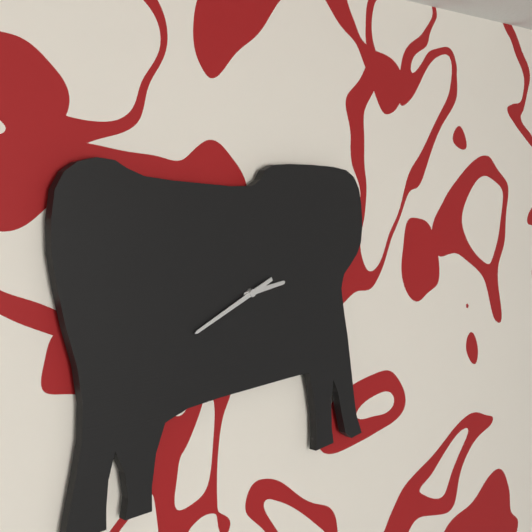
2h41
